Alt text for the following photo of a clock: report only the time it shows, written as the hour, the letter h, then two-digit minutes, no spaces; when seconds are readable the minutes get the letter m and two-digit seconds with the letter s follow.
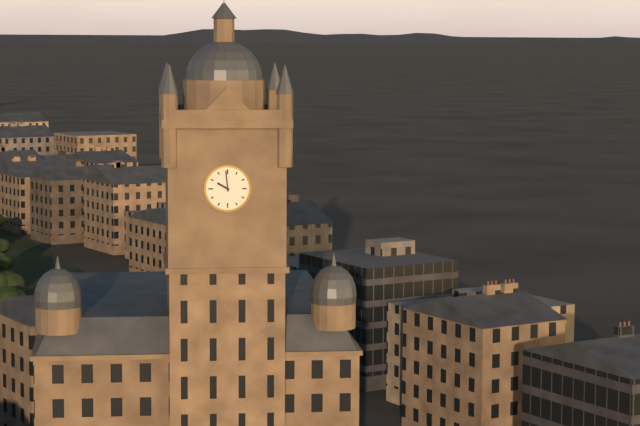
9h59
